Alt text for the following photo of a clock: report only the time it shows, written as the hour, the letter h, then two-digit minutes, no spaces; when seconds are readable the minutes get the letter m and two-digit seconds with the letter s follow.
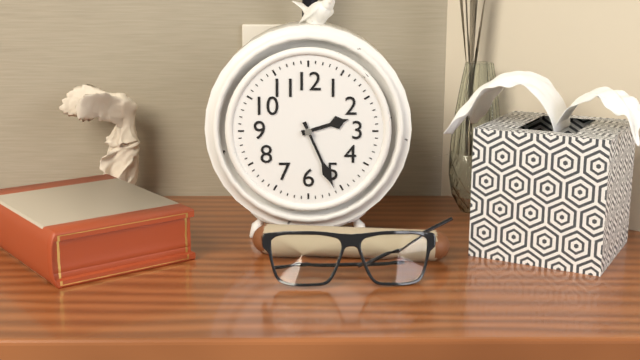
2h26
